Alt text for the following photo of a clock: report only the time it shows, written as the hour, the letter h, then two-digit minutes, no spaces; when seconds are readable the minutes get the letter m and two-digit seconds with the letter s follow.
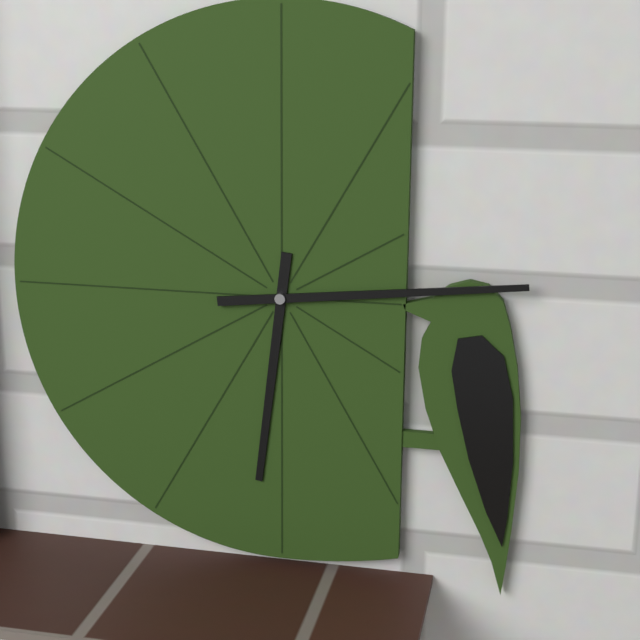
6h14
